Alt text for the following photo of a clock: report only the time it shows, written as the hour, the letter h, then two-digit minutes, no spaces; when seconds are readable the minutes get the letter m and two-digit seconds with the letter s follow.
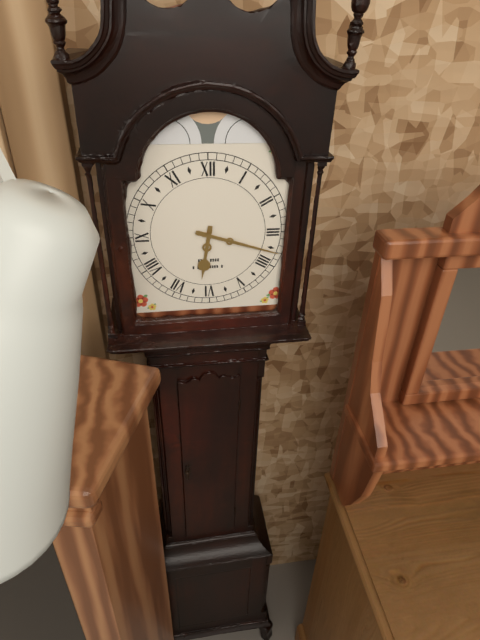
6h18
